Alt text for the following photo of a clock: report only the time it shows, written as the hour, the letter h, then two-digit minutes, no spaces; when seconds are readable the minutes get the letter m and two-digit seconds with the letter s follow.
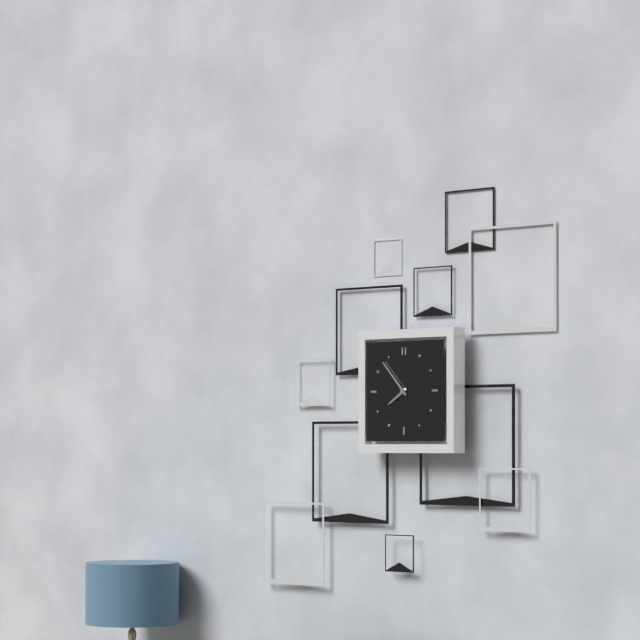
7h53
